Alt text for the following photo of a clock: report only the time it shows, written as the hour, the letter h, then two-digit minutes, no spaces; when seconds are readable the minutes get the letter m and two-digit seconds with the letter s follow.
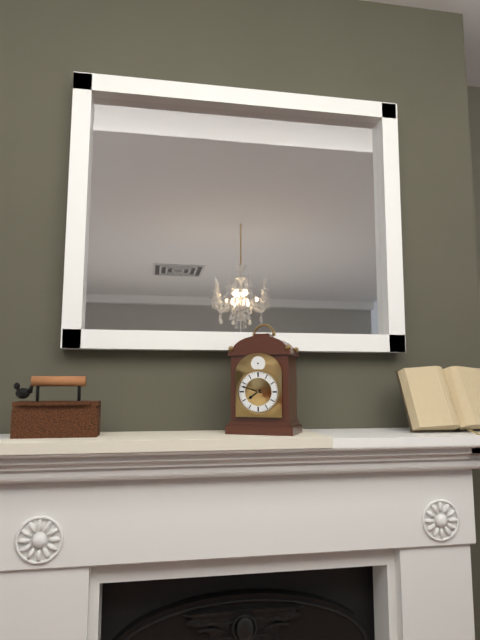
7h48
